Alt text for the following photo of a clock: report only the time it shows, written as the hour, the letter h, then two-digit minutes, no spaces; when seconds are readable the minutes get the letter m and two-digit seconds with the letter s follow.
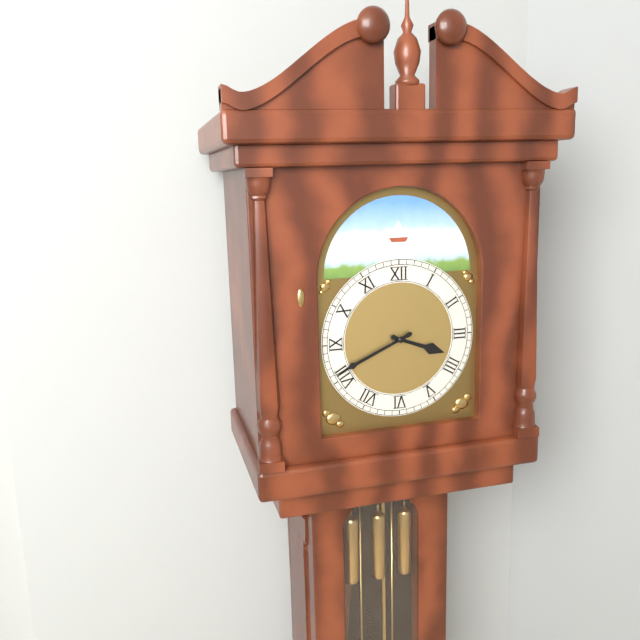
3h41
